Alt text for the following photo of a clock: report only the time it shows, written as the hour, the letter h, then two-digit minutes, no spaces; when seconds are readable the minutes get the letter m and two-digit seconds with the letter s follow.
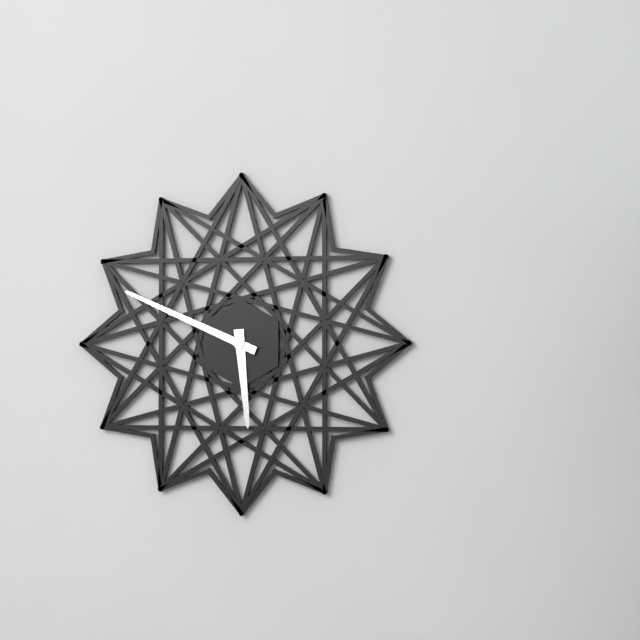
5h49
